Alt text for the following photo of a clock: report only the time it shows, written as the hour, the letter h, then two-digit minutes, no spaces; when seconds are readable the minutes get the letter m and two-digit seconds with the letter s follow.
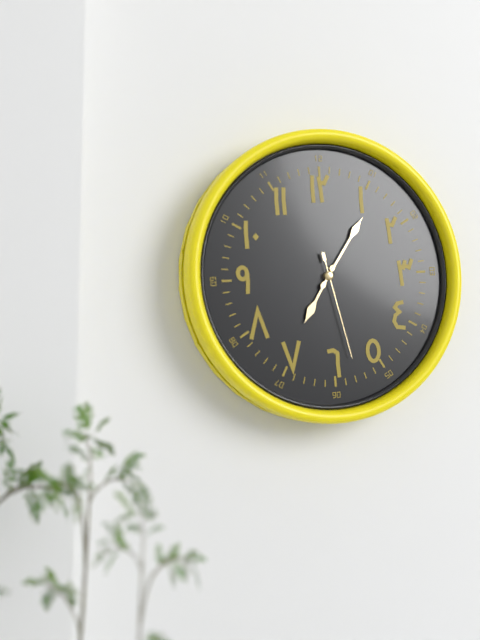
7h06m28s
